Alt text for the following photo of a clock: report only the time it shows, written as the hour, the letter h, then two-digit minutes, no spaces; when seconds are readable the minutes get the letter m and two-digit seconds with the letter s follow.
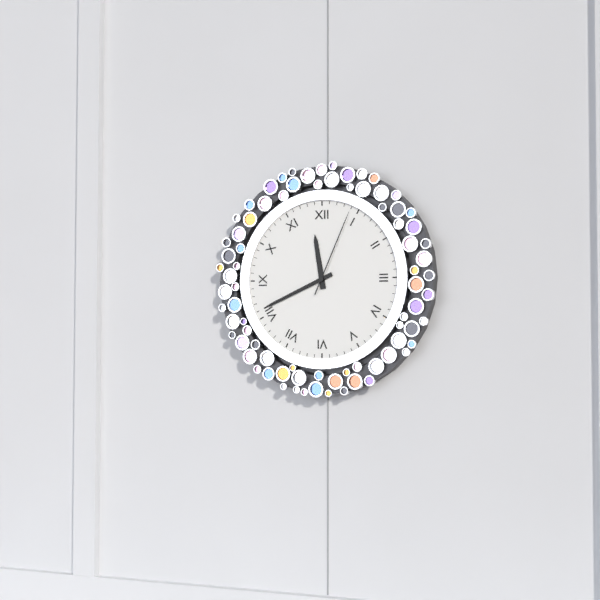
11h41m04s
